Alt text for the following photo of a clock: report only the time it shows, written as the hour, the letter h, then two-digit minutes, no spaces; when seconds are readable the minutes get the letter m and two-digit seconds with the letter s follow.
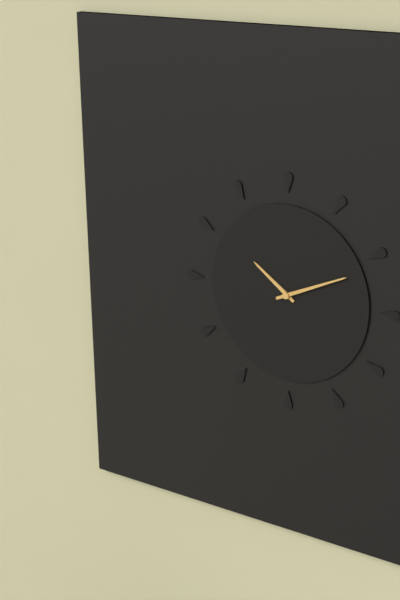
10h11
